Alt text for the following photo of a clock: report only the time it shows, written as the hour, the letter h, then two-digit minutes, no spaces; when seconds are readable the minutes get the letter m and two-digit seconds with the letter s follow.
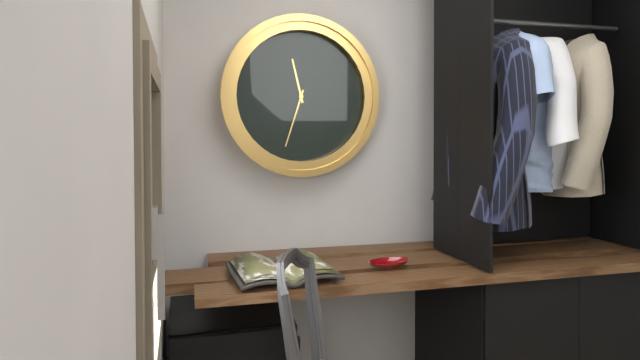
11h33
